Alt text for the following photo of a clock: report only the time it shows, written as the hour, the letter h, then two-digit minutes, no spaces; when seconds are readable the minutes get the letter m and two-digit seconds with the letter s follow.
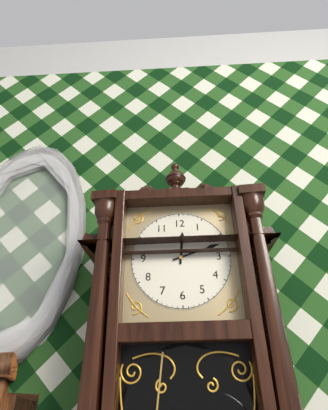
12h12
